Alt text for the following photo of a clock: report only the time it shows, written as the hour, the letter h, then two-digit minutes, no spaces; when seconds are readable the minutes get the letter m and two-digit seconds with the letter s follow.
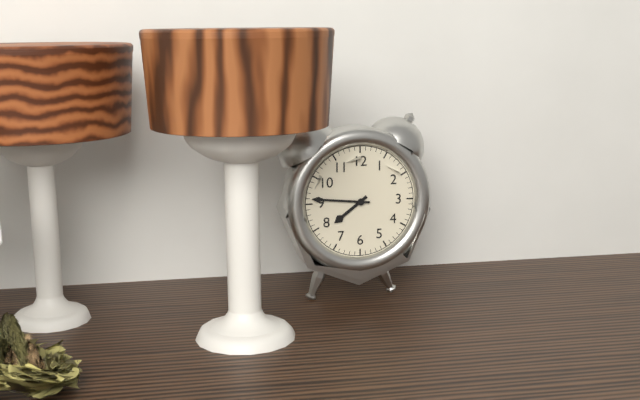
7h46
